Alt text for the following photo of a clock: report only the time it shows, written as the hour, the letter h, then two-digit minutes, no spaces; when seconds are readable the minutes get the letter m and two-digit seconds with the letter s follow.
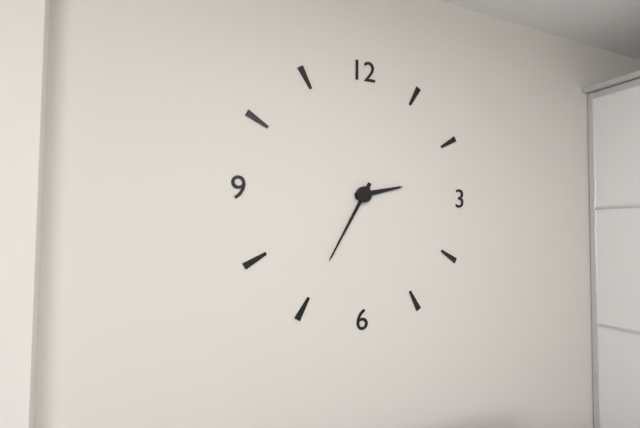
2h35
